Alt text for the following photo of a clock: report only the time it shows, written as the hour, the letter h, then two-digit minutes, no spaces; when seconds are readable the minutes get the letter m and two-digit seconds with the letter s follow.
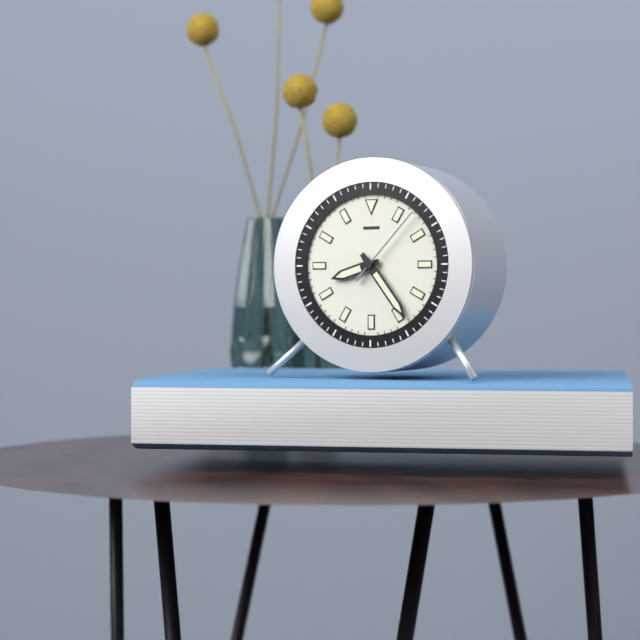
8h24m07s
